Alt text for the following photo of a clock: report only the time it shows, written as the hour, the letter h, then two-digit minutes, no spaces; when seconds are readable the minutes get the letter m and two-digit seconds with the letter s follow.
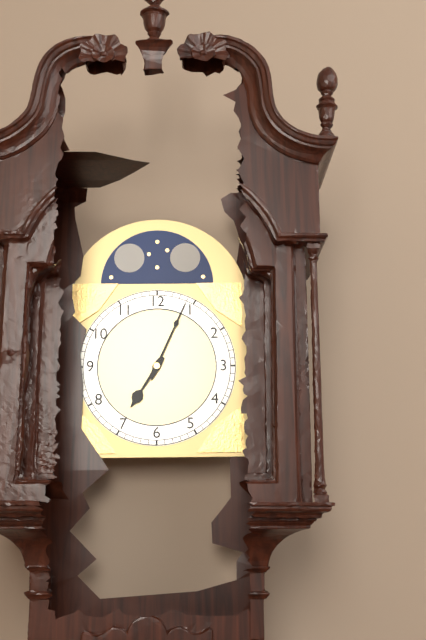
7h04
